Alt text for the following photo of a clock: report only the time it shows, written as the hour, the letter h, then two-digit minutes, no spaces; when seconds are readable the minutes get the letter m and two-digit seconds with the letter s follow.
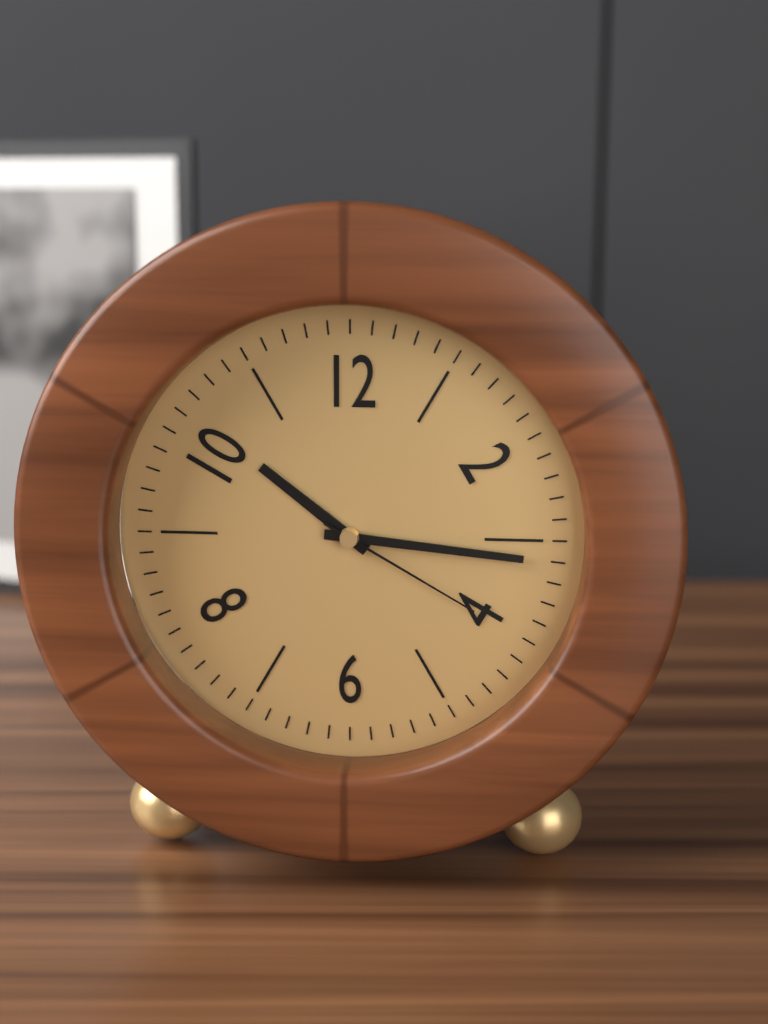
10h16m20s
